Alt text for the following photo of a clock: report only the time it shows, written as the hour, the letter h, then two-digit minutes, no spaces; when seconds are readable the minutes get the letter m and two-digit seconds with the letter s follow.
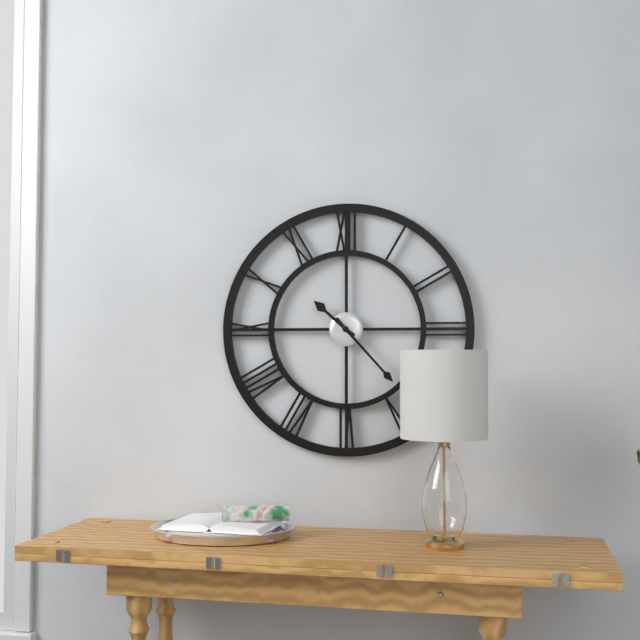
10h23
